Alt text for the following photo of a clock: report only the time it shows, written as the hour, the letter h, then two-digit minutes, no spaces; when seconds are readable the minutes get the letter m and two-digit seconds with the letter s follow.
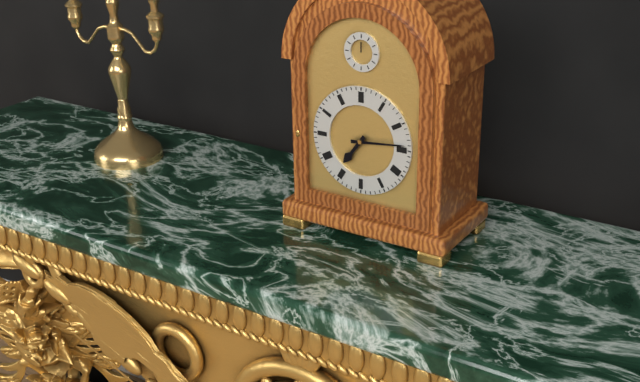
7h14
